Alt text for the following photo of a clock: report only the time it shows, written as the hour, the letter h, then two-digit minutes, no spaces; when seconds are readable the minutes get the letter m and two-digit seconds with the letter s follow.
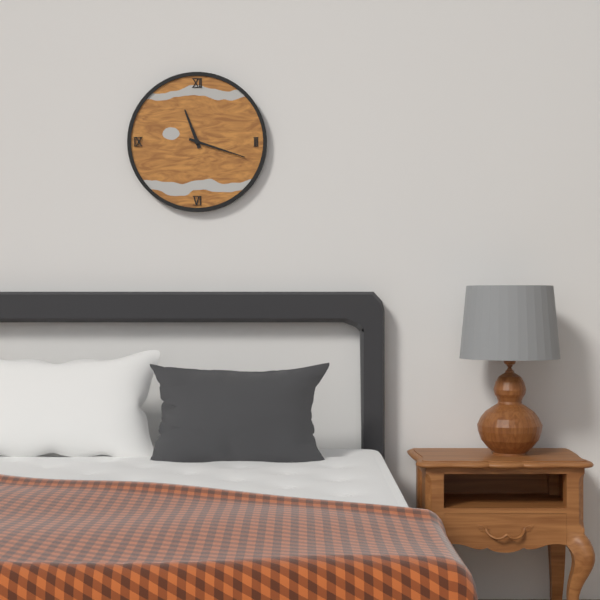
11h18
